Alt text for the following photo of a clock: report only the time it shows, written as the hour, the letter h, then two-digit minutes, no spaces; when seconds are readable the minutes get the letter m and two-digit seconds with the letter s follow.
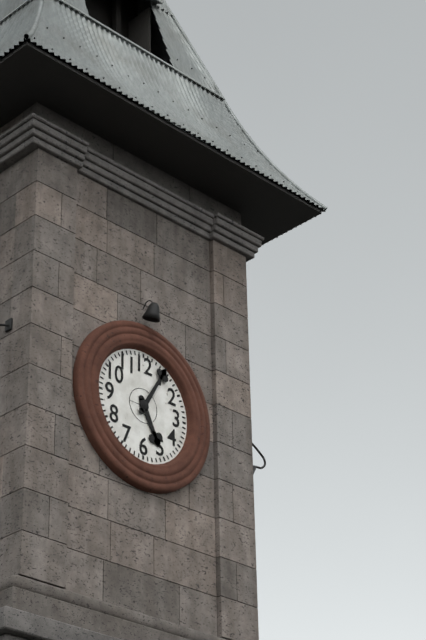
5h05
